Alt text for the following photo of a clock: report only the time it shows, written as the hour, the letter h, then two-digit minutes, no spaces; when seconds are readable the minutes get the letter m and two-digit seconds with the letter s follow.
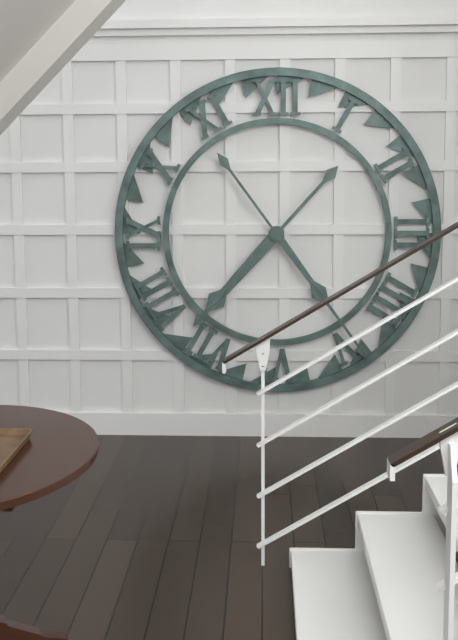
7h24
